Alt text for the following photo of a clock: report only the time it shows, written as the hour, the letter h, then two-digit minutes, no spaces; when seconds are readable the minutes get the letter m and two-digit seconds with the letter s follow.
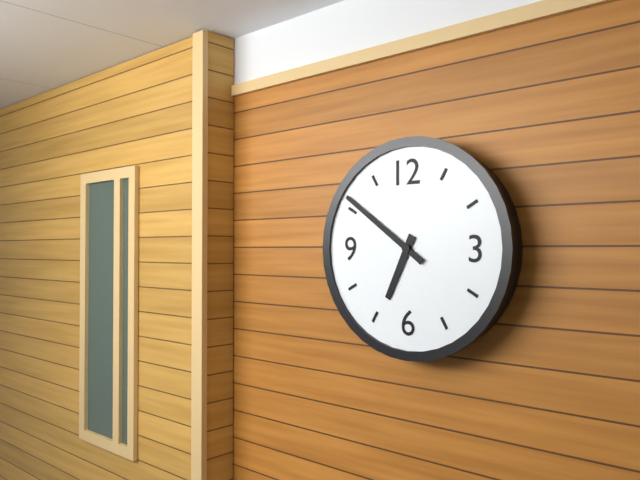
6h51
